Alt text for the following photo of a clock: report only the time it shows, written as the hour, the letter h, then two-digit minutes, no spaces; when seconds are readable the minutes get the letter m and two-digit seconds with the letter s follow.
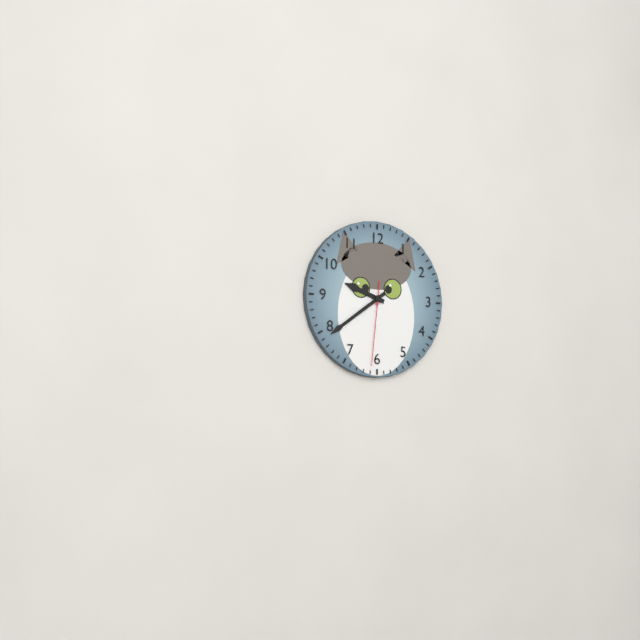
9h39m31s
